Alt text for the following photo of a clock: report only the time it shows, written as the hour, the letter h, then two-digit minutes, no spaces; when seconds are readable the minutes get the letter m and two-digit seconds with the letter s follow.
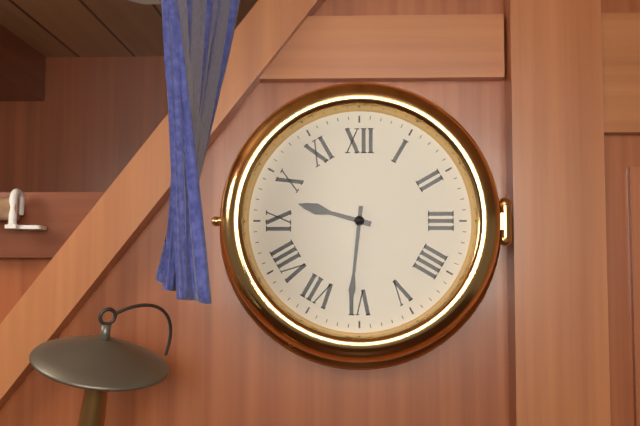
9h31
